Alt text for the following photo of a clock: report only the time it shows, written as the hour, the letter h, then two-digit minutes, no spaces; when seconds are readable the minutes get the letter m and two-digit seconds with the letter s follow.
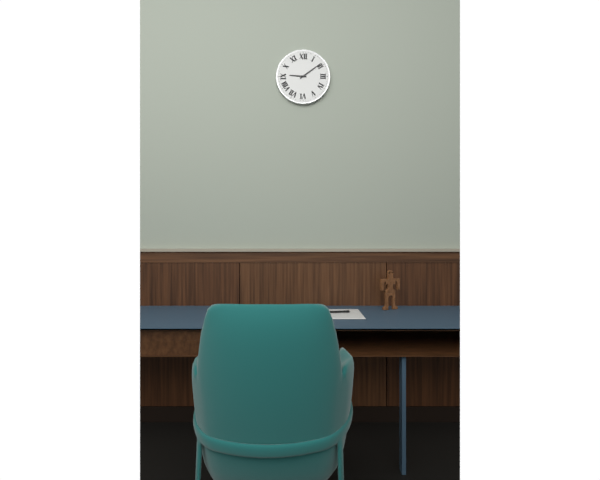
9h09
